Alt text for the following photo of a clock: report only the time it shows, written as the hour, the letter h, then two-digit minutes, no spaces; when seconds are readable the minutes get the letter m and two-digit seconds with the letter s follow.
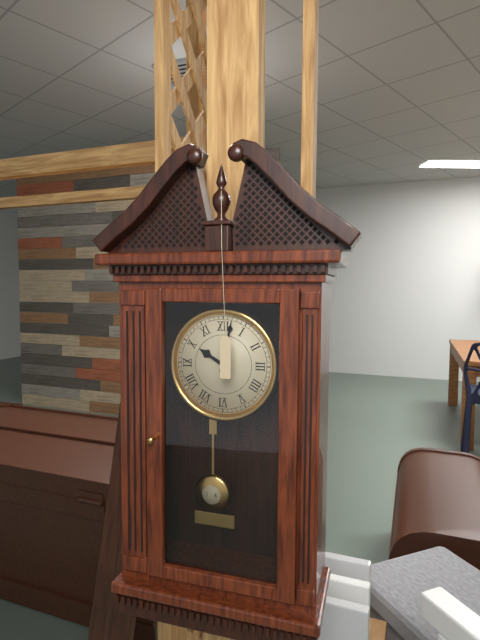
10h02
